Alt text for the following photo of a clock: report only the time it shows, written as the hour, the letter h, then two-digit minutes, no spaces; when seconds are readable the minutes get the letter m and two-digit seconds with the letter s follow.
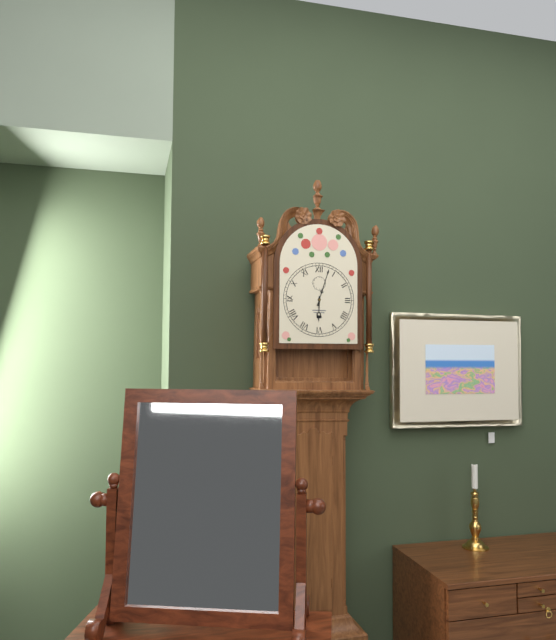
6h03
